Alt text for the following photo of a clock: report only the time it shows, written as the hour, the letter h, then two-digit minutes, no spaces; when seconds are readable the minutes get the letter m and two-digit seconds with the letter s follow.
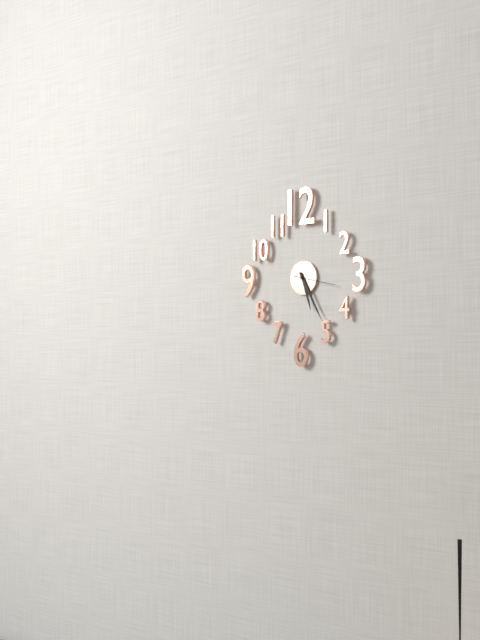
5h25
